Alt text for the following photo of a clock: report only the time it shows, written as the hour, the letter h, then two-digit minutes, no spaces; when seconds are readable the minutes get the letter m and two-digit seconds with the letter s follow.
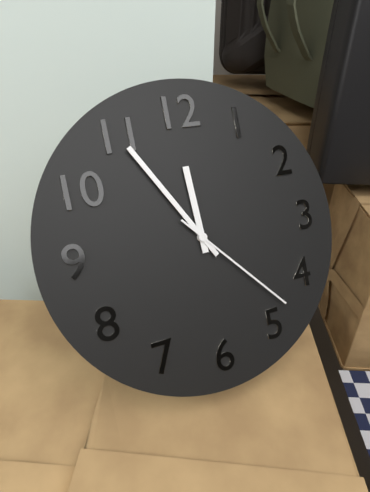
11h55m23s
